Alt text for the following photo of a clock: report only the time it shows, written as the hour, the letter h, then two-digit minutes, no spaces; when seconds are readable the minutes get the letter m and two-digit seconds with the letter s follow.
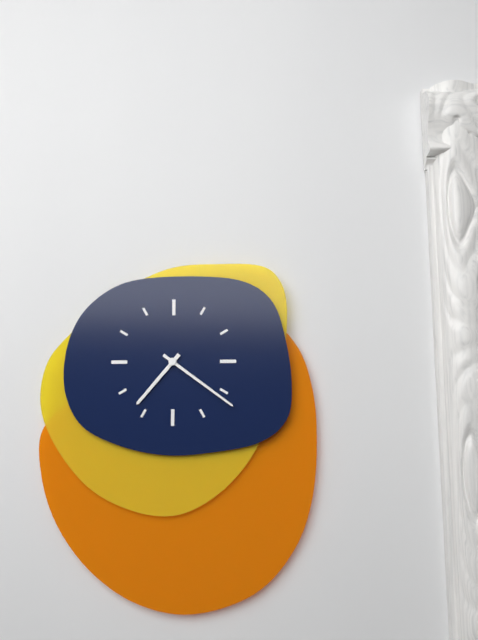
7h21
